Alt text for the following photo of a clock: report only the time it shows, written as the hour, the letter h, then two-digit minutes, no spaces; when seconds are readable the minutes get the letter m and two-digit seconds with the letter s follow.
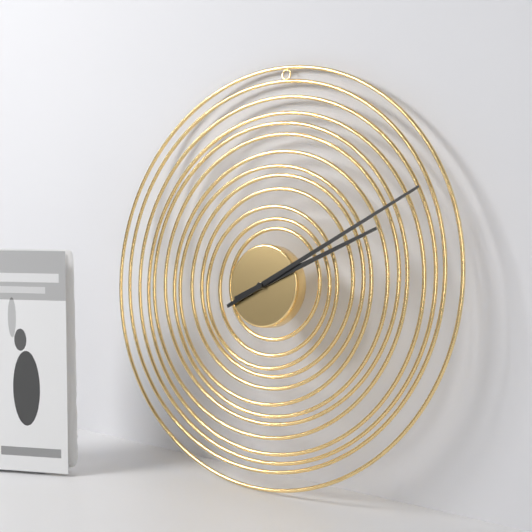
2h10
